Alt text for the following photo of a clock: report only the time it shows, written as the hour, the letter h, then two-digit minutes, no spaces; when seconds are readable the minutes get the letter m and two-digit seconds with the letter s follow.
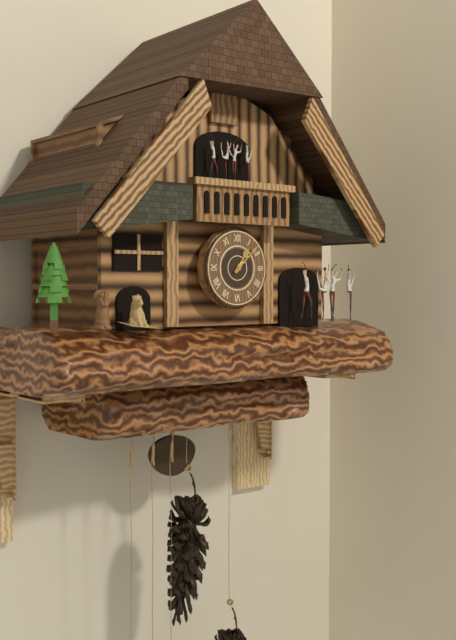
1h08
